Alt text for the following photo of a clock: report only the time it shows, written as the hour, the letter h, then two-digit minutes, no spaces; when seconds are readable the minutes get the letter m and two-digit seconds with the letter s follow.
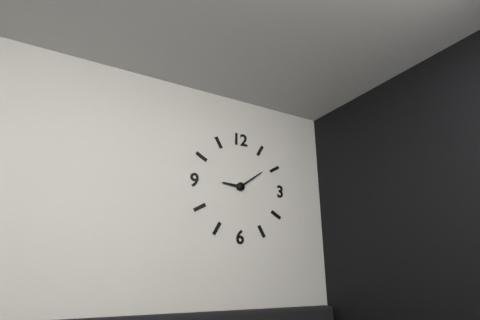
9h09
